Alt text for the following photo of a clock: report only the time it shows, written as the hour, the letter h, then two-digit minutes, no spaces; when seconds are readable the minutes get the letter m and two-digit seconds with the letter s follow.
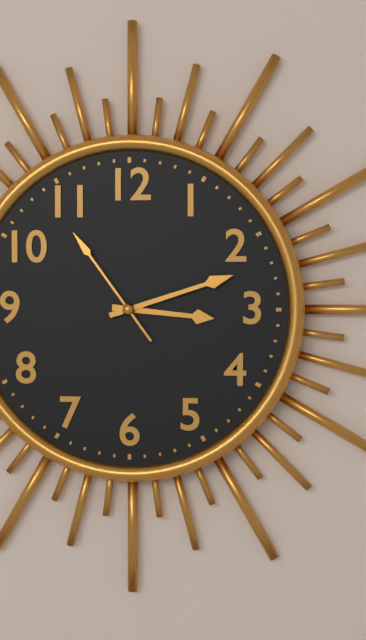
3h12m54s
